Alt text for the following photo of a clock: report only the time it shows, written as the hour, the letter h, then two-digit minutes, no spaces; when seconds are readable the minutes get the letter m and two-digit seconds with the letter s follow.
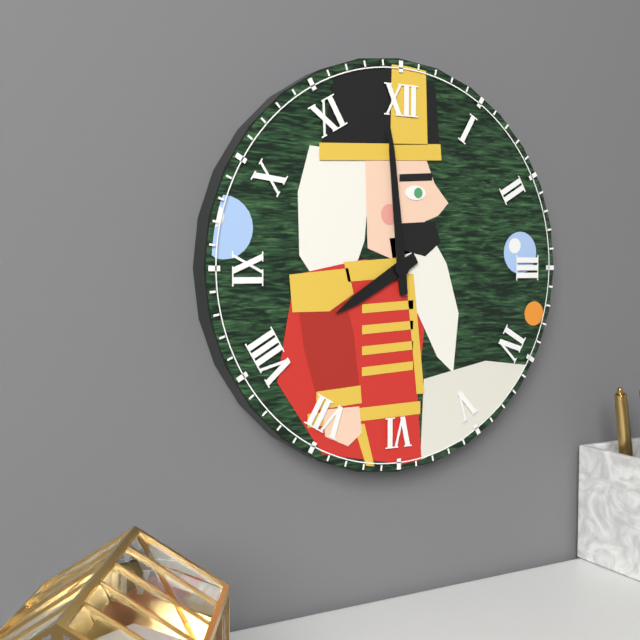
7h59
